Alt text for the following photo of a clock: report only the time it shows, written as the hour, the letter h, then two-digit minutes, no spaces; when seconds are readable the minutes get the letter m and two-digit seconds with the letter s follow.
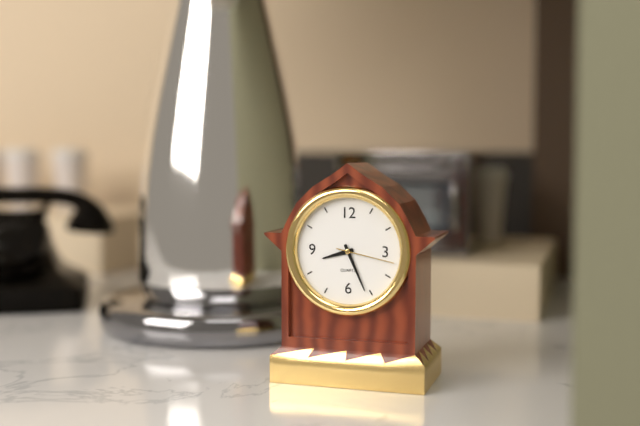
8h26m17s
